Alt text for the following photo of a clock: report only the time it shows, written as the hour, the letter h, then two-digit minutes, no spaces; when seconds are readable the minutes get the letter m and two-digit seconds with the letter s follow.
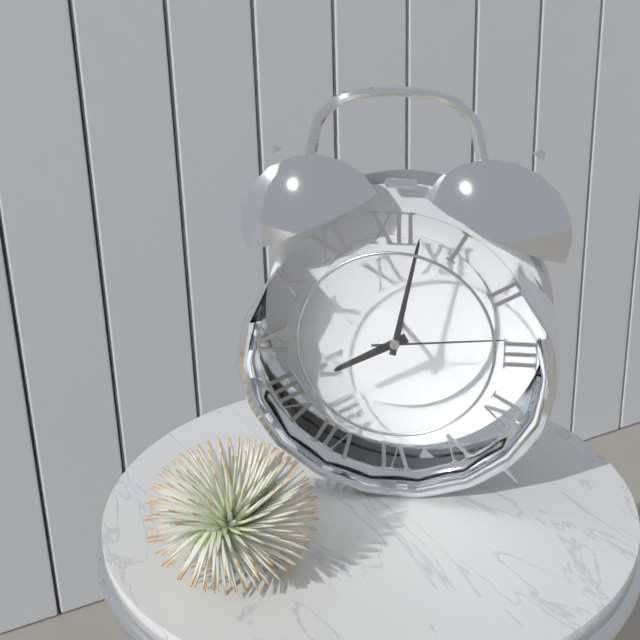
8h02m14s
